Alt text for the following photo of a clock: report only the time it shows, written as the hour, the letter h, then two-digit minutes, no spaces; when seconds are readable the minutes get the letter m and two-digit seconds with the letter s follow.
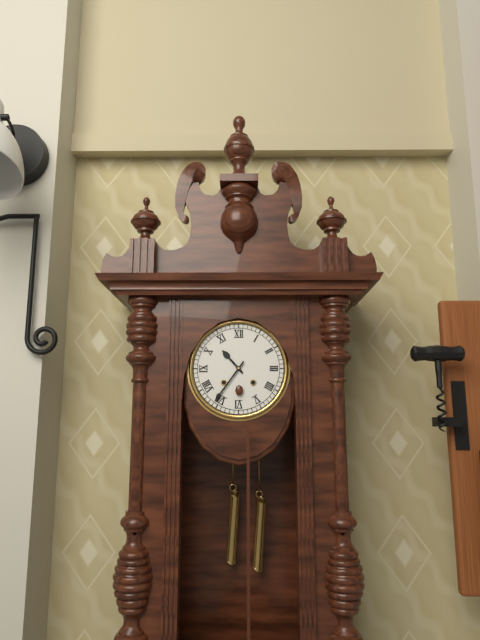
10h36
